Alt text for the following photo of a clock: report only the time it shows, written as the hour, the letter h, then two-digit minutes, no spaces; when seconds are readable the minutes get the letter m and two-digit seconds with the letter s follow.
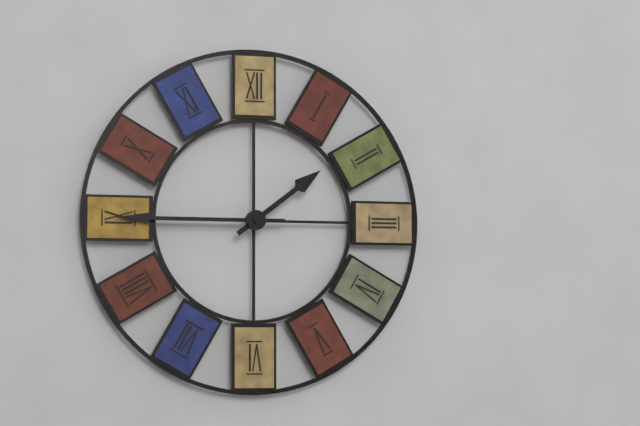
1h45
